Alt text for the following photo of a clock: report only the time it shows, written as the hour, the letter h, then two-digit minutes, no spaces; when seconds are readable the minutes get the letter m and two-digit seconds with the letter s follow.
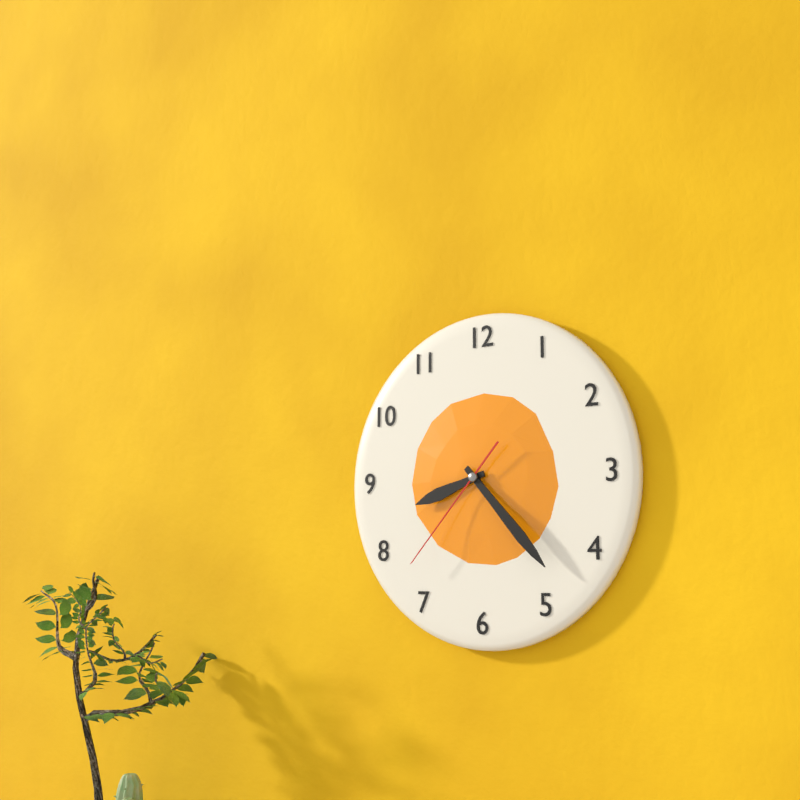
8h23m37s
